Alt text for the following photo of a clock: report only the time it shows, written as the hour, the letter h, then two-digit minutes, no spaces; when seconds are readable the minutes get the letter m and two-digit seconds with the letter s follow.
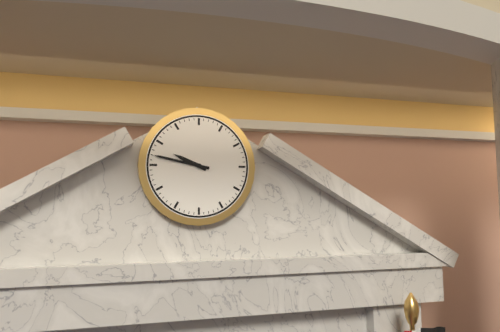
9h47
